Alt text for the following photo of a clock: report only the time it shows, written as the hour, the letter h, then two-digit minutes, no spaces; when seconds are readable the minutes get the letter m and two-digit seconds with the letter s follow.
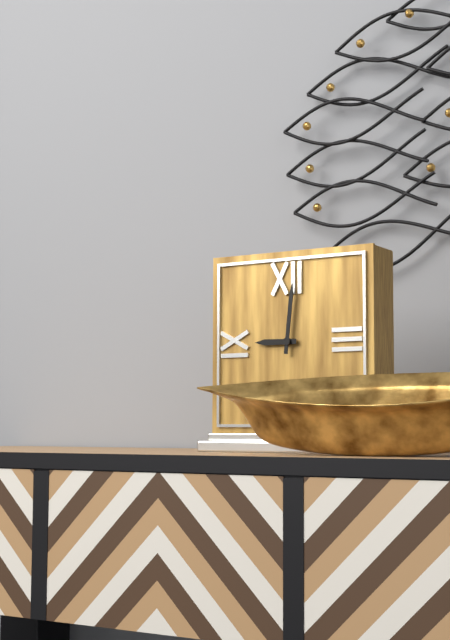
9h01
